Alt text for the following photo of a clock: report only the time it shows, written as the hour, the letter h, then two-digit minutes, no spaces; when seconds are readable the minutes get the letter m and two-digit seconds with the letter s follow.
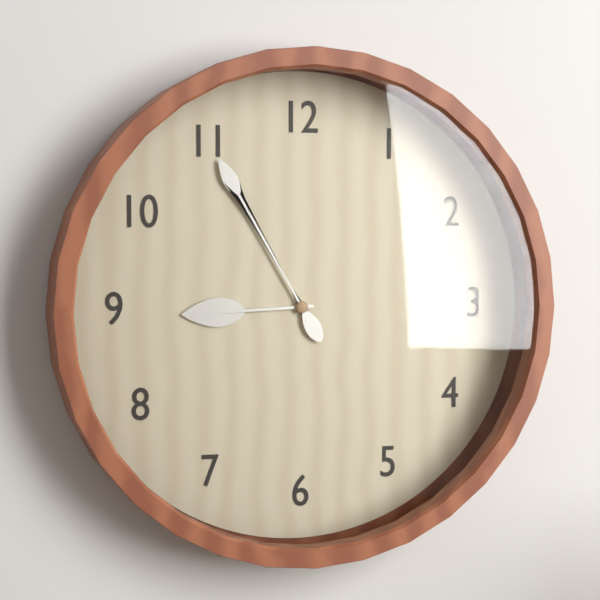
8h55
